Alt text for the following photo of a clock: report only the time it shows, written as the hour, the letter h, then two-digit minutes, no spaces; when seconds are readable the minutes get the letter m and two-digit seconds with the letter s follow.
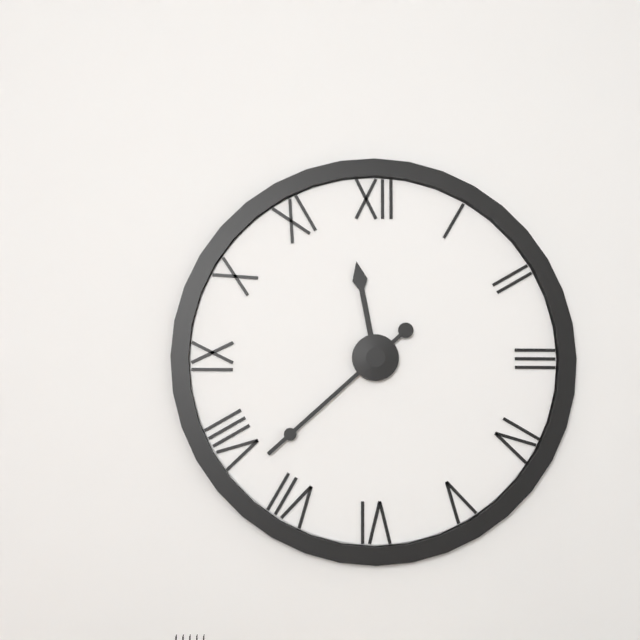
11h38
